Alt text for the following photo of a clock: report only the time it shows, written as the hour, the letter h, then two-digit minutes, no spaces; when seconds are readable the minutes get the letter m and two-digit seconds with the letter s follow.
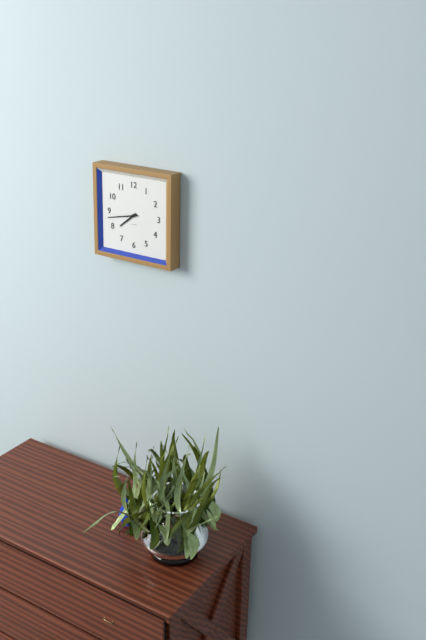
7h43
